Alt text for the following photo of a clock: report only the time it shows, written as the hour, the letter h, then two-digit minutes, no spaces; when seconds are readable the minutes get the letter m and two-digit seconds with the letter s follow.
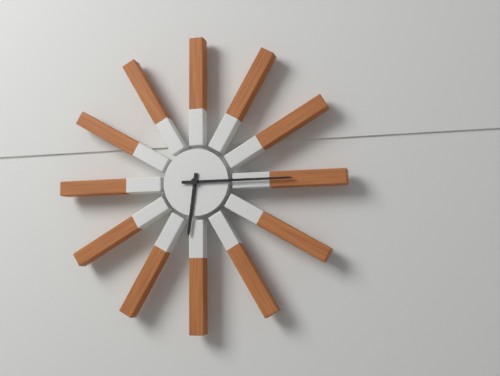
6h15
